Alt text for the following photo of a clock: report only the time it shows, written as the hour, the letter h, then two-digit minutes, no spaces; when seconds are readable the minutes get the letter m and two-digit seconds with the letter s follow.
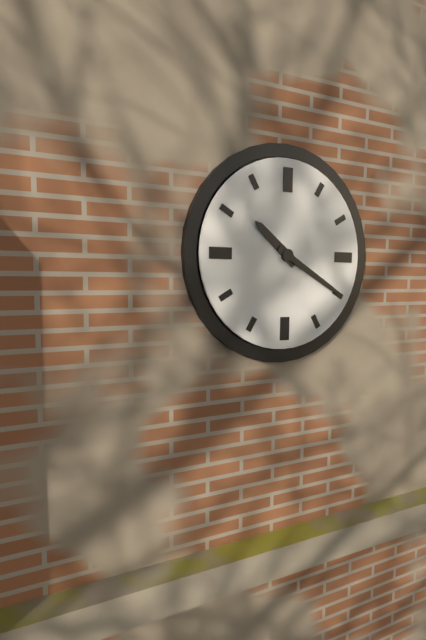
10h20
